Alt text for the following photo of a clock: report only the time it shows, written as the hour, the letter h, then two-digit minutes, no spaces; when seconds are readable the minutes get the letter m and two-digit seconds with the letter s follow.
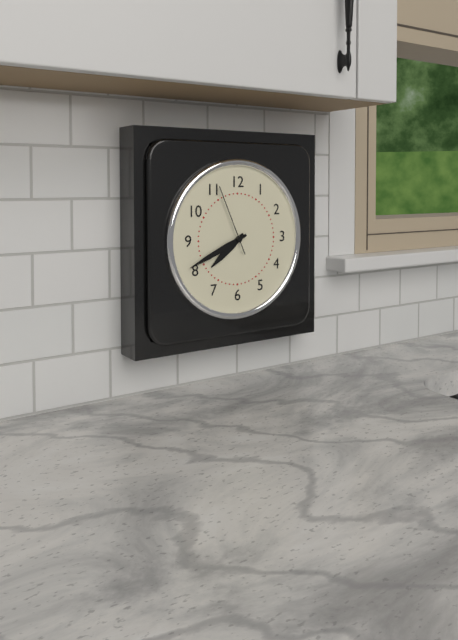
7h41m56s
